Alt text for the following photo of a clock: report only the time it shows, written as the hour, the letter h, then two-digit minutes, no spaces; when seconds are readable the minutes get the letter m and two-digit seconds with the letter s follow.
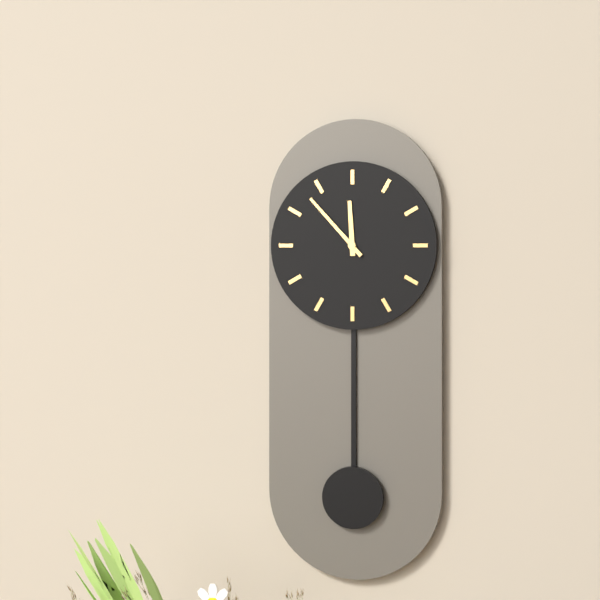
11h53
